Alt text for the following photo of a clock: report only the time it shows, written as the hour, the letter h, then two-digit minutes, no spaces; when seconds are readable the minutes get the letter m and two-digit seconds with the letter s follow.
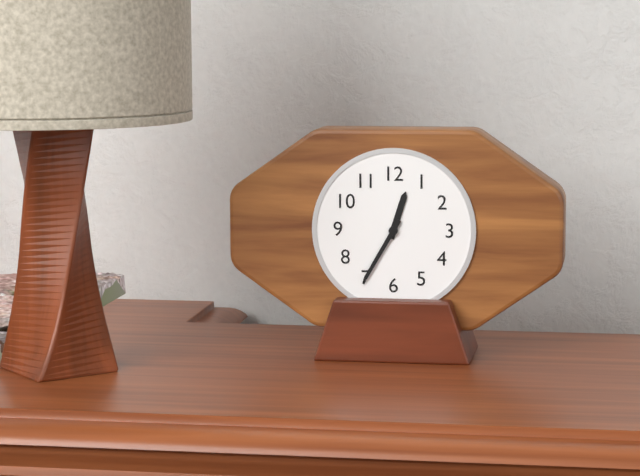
12h35
